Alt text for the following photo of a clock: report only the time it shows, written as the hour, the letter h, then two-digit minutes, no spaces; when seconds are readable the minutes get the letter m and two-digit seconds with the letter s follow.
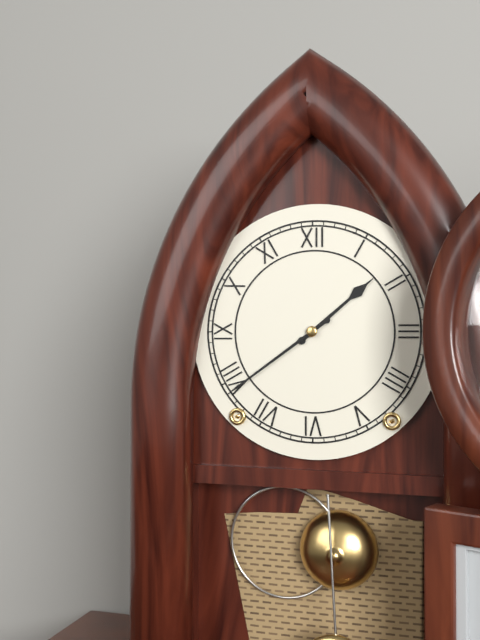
1h39
